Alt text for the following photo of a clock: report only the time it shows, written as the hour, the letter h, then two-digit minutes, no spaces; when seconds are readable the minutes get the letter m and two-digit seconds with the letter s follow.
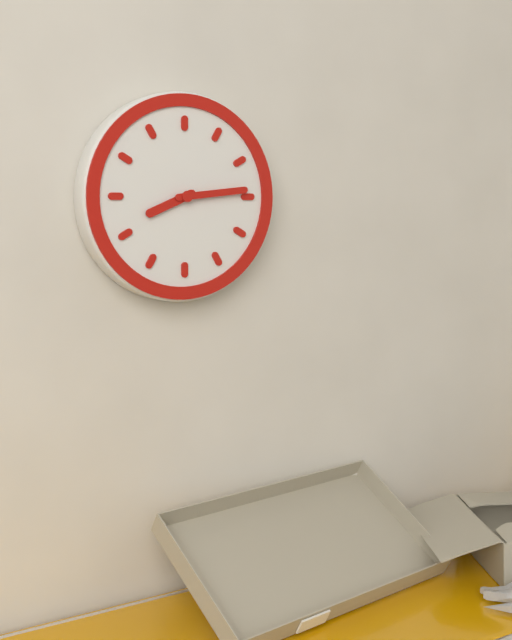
8h14
